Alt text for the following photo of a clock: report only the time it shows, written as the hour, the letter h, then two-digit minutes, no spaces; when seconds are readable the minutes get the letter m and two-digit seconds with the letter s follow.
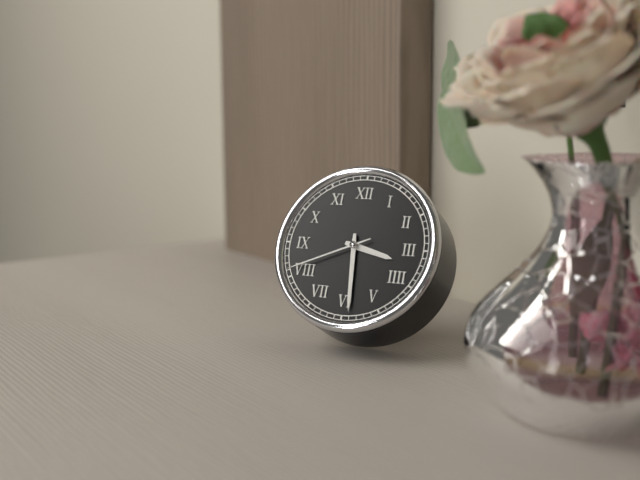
3h29m41s
